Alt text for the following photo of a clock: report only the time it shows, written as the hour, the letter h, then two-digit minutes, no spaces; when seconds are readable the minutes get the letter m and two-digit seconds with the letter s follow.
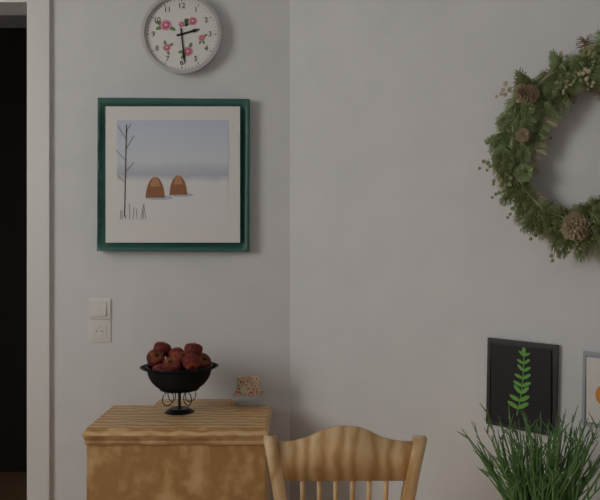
2h29
